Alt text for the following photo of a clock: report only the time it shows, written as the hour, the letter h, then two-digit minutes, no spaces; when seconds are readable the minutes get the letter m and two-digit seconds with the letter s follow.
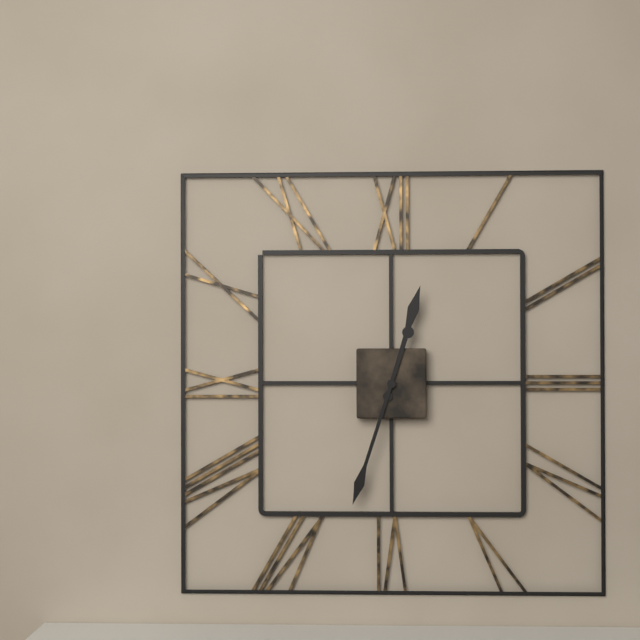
12h33
